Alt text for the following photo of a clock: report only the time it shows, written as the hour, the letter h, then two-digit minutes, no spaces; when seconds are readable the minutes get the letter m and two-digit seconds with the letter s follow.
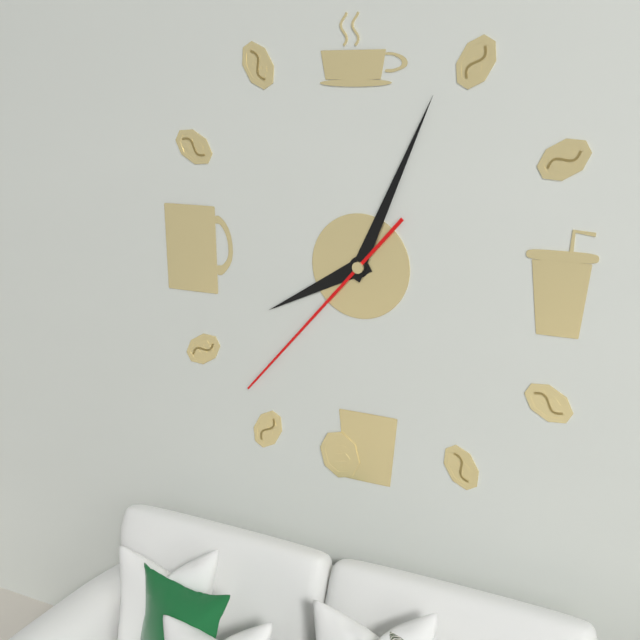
8h04m37s
